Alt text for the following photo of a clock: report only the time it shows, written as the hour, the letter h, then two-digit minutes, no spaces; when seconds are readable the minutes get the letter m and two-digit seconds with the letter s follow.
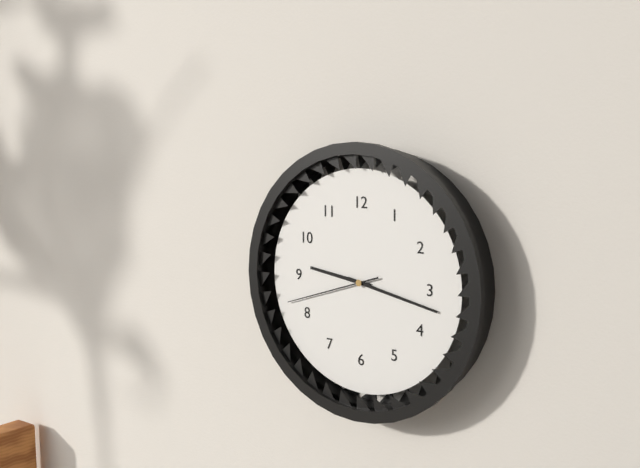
9h17m42s
